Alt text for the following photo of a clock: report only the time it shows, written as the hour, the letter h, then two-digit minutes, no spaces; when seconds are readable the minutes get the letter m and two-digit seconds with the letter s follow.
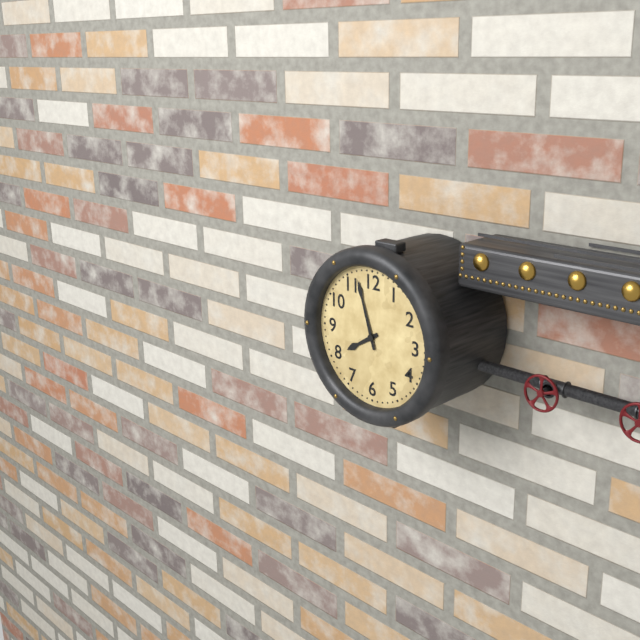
7h57
